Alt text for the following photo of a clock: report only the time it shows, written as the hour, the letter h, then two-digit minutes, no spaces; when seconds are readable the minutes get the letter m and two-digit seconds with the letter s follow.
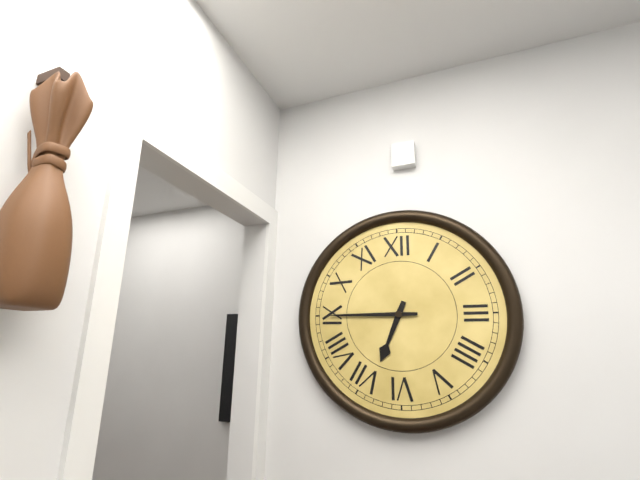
6h45
